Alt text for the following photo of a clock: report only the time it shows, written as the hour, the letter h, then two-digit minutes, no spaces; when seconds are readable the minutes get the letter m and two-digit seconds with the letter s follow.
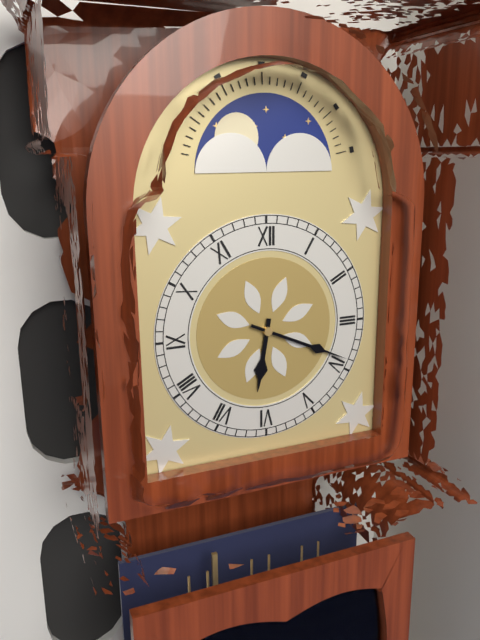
6h19
